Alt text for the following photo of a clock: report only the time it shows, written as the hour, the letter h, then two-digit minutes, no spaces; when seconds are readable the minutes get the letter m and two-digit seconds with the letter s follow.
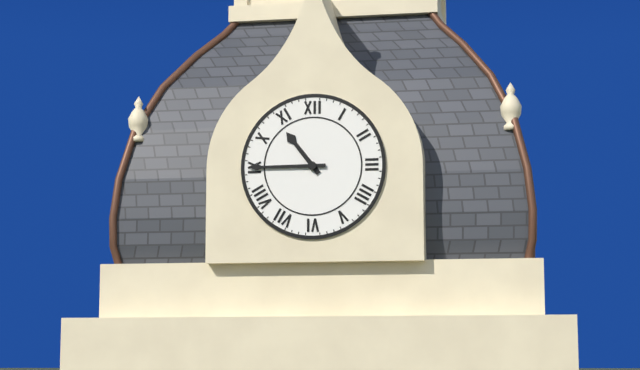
10h45
